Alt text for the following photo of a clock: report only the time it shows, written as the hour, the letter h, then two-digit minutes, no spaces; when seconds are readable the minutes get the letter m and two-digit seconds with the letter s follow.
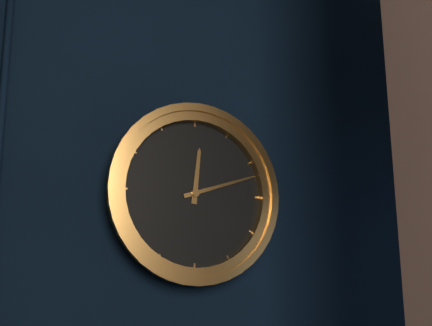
12h12
